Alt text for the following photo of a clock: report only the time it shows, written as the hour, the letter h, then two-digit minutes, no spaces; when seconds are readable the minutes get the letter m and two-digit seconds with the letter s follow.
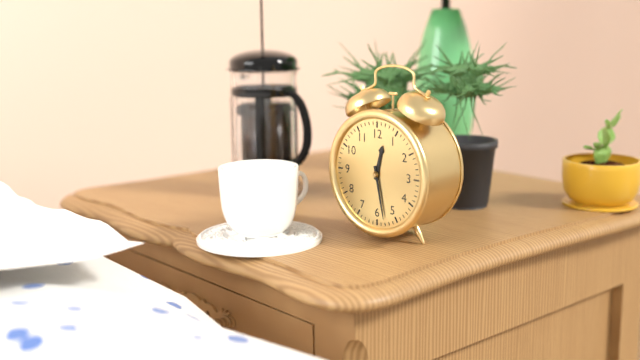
12h28
